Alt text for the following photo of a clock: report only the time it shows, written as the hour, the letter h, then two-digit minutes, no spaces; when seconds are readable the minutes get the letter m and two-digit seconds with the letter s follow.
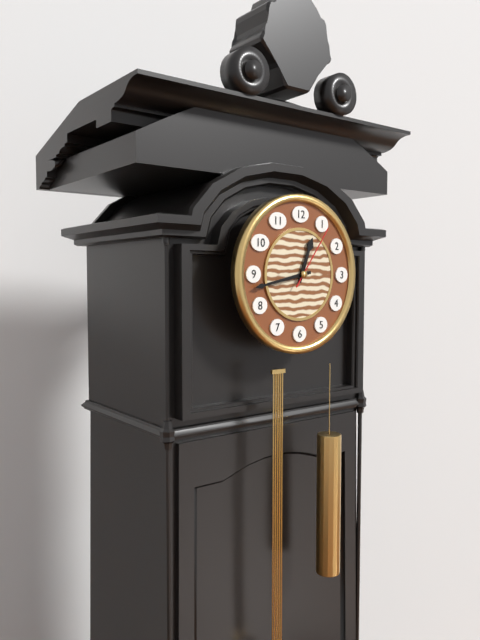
12h43m06s
